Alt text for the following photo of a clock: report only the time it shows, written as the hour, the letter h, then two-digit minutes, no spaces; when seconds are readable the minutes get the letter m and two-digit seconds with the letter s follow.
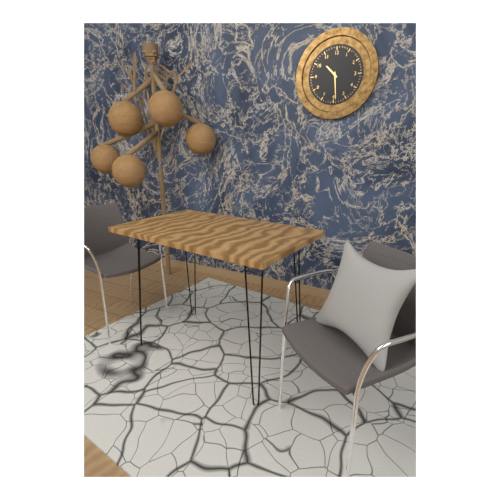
10h29
